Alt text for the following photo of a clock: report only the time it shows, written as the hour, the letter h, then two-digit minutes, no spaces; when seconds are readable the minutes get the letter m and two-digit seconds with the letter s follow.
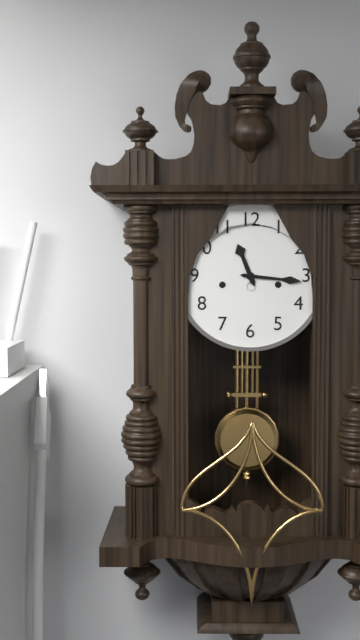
11h16
